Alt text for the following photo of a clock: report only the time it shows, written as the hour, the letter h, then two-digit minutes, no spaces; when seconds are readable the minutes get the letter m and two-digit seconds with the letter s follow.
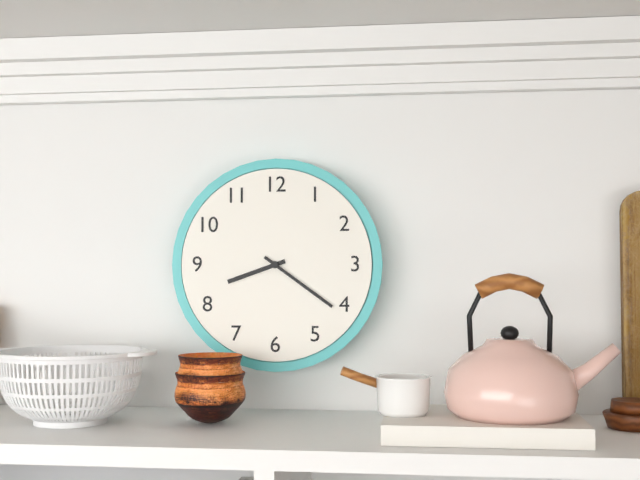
8h21
